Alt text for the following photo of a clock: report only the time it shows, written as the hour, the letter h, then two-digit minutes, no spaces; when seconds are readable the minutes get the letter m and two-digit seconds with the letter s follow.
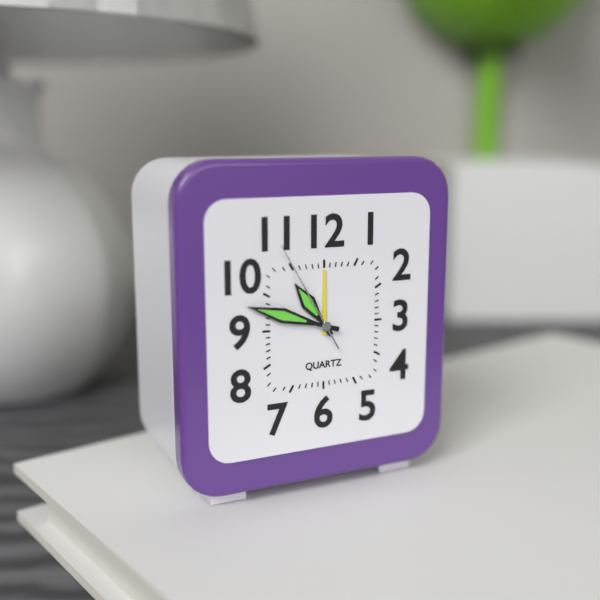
10h48m55s
